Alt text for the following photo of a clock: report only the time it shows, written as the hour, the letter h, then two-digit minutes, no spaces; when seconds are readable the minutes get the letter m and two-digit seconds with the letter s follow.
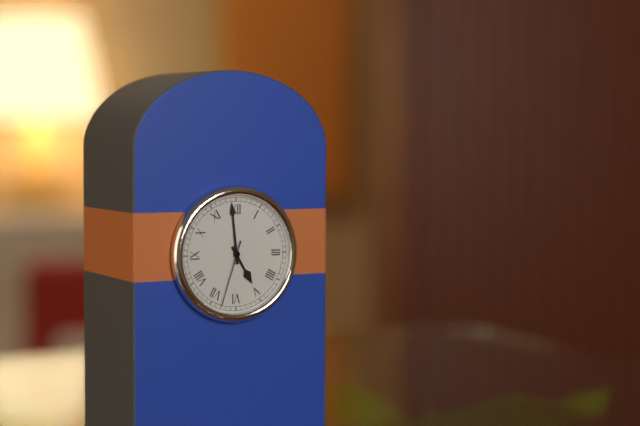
4h59m33s
